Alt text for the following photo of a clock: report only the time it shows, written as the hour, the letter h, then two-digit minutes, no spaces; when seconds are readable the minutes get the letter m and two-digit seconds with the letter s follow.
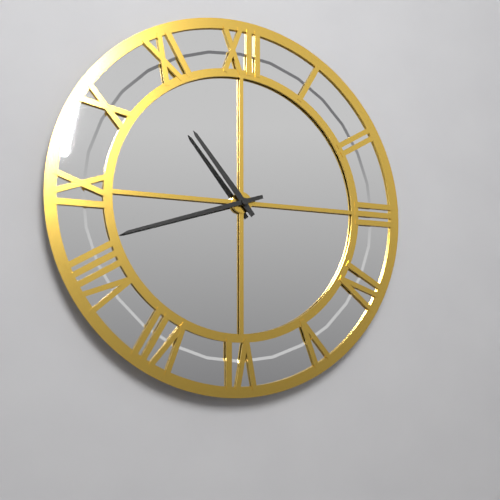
10h42
